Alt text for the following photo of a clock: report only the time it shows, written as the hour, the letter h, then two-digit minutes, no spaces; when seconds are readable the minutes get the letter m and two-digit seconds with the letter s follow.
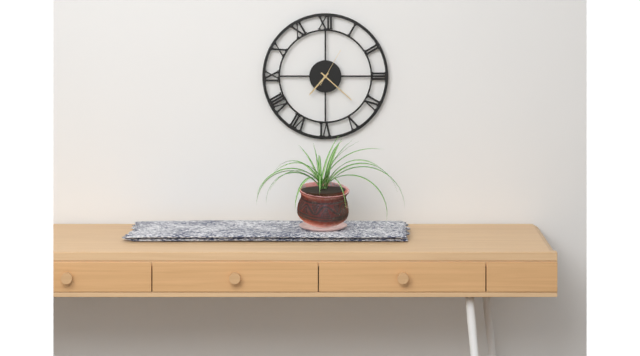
7h22
